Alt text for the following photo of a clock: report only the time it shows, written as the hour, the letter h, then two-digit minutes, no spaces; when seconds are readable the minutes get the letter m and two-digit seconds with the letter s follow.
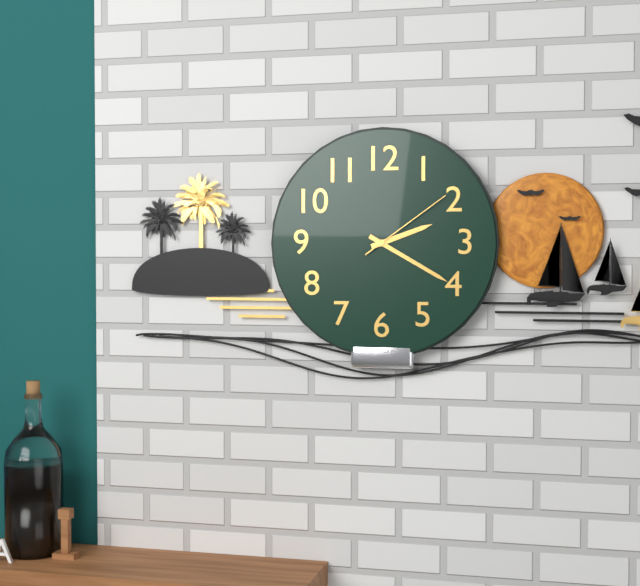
2h20m09s
